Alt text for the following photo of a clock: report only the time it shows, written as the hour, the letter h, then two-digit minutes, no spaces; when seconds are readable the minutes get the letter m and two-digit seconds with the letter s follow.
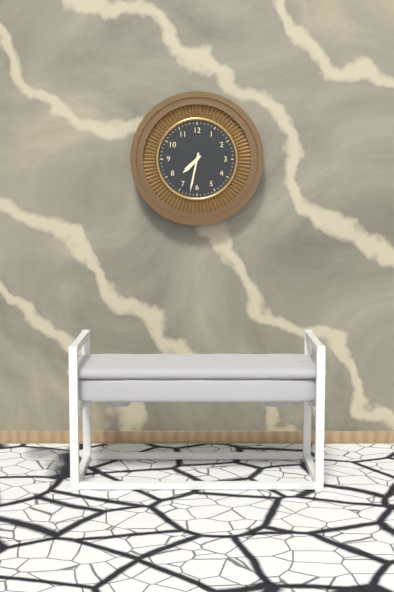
7h32
